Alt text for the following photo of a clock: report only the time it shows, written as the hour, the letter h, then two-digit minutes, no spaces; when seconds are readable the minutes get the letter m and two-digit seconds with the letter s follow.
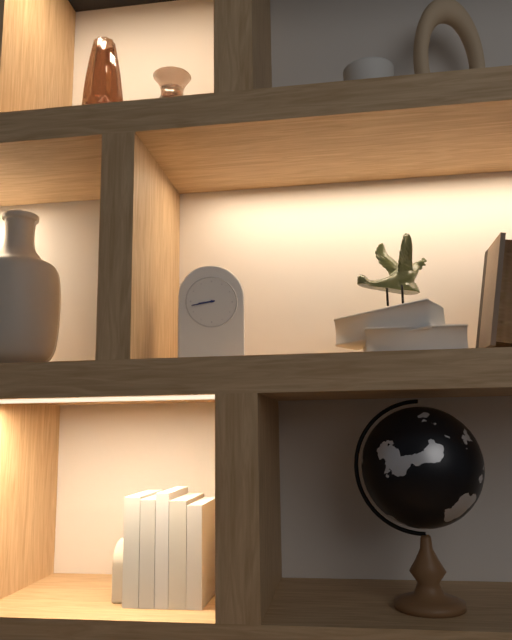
8h43
